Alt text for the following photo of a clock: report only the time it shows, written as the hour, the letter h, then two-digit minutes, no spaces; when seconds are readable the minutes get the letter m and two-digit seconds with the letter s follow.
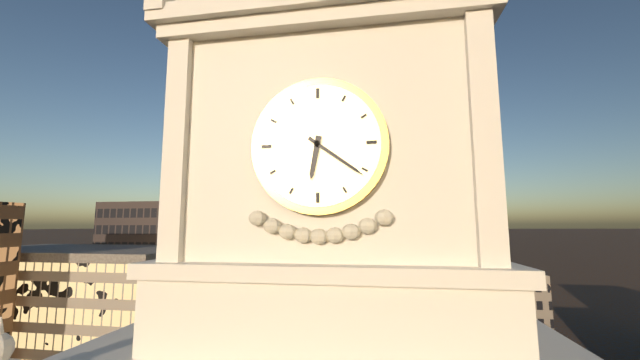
6h21
